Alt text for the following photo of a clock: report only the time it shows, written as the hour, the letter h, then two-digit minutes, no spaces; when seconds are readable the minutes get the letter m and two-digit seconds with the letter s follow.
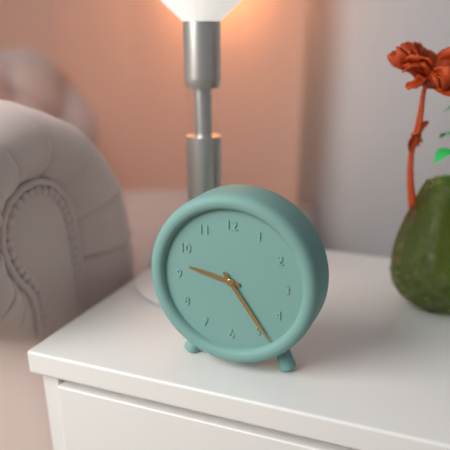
9h24
